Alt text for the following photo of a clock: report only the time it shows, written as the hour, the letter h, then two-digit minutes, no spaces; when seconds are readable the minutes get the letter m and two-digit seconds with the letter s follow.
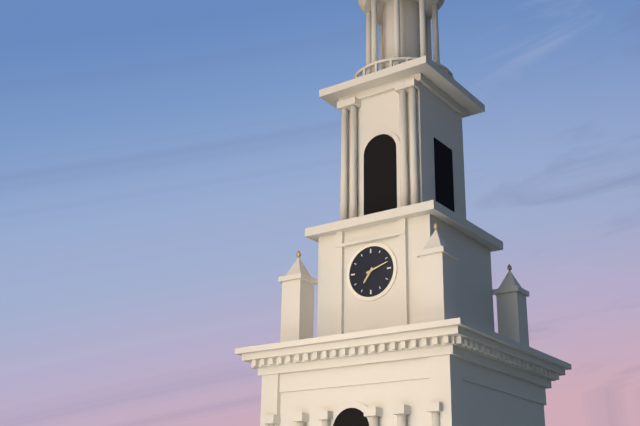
7h12
